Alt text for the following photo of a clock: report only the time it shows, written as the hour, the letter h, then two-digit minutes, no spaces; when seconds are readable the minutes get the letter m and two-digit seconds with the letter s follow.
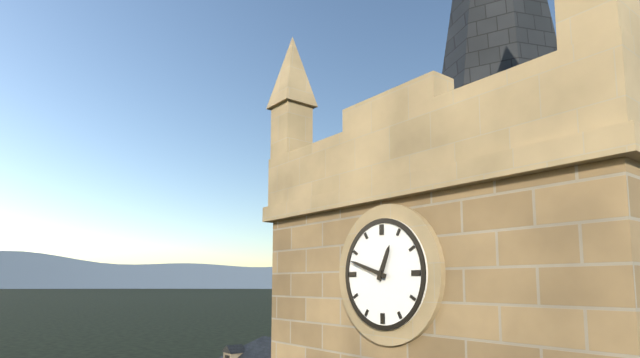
12h48
